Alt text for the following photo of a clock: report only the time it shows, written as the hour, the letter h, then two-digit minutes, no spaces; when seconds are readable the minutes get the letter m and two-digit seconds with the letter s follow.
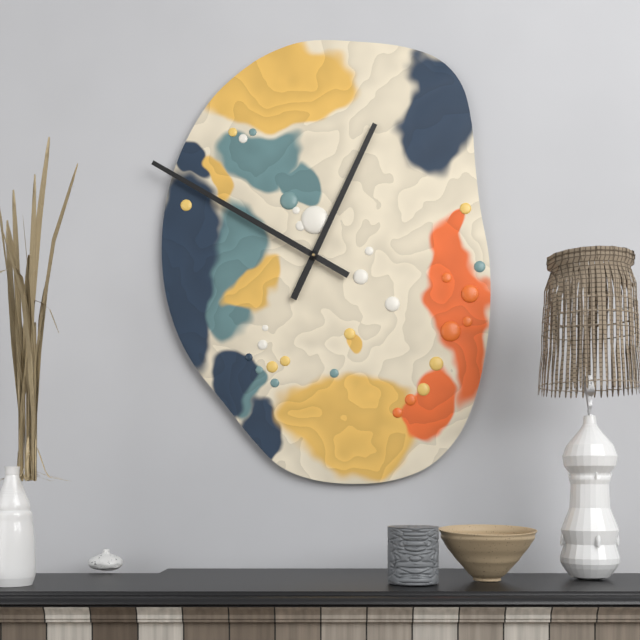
12h50
